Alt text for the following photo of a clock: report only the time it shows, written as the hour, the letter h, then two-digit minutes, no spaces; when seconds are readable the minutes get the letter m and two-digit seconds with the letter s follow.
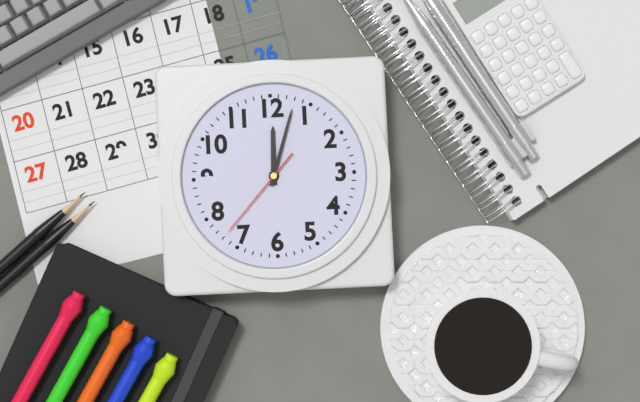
12h03m37s
